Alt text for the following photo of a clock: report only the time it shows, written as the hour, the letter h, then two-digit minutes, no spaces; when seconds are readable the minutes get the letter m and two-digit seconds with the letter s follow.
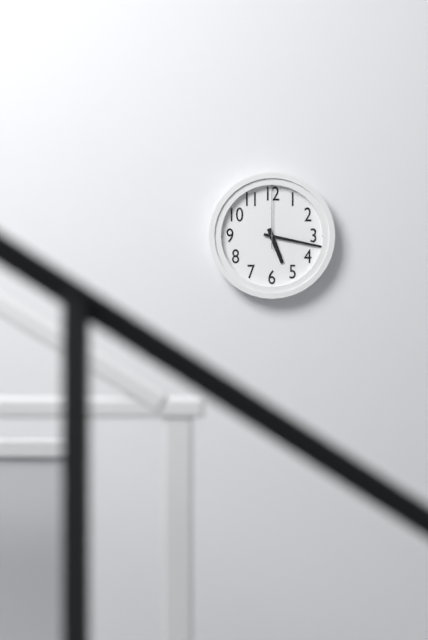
5h17m00s
